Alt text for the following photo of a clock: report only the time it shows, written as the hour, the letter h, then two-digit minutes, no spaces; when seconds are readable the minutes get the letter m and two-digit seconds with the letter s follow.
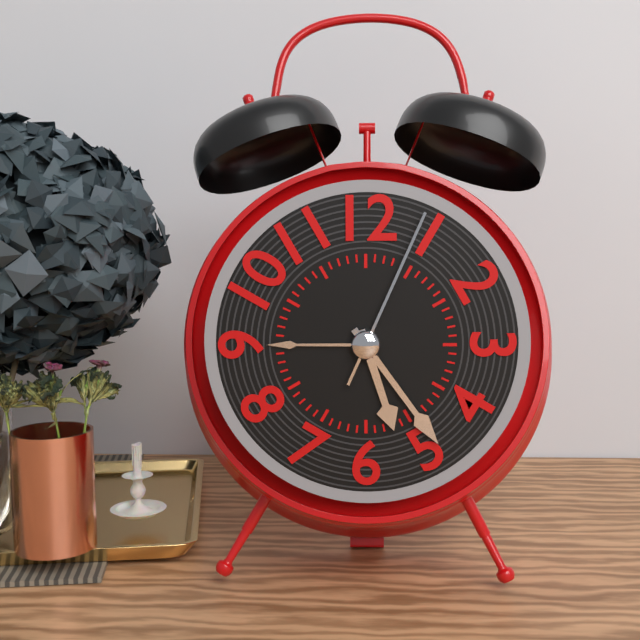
5h24m04s
